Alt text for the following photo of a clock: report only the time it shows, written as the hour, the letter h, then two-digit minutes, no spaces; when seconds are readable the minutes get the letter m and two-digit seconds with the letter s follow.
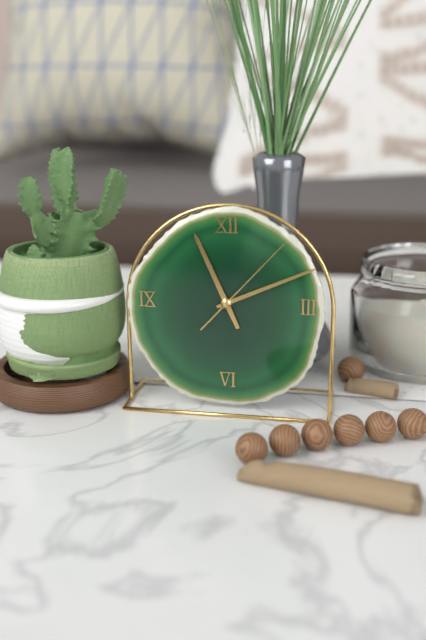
11h11m07s
